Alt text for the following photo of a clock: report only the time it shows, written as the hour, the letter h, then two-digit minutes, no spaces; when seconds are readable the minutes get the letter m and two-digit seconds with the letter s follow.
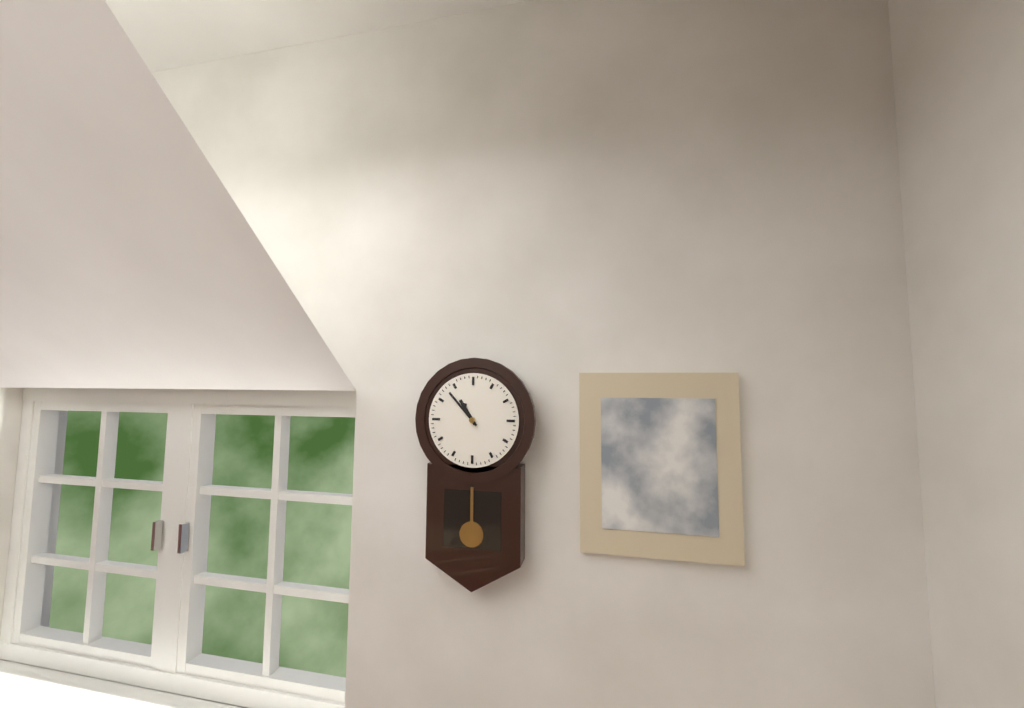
10h53
